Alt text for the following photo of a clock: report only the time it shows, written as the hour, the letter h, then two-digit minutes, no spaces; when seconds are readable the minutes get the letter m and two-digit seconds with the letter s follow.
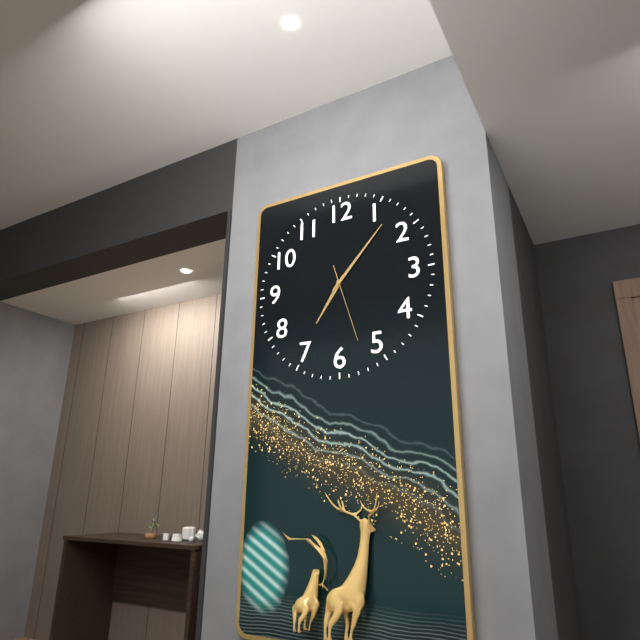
7h07m27s
